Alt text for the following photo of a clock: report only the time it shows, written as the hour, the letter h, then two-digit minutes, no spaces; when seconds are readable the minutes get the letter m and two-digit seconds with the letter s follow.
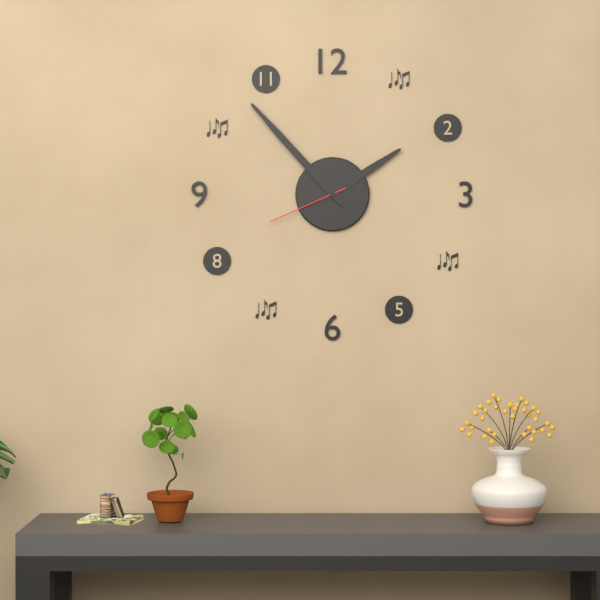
1h53m41s
